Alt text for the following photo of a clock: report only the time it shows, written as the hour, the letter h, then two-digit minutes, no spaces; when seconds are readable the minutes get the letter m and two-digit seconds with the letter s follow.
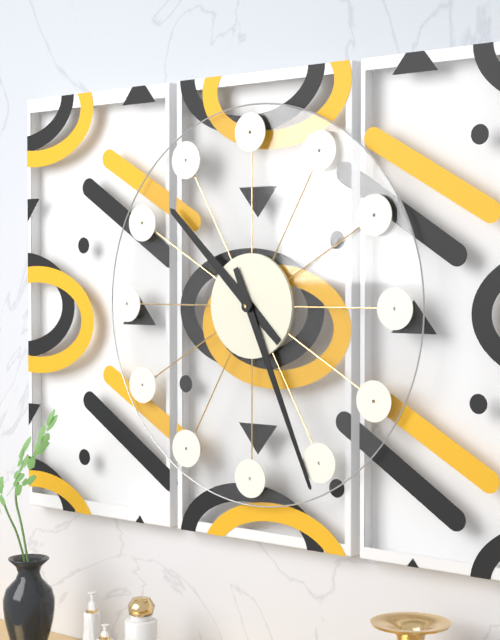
10h26
